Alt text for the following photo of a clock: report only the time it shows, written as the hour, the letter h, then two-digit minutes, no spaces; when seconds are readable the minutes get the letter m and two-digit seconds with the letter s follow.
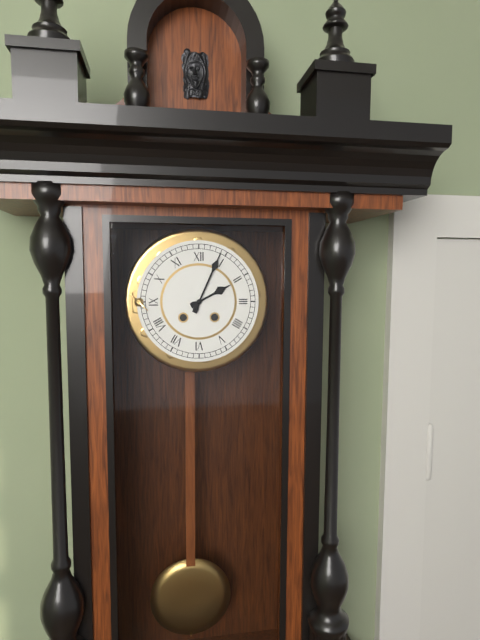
2h04
